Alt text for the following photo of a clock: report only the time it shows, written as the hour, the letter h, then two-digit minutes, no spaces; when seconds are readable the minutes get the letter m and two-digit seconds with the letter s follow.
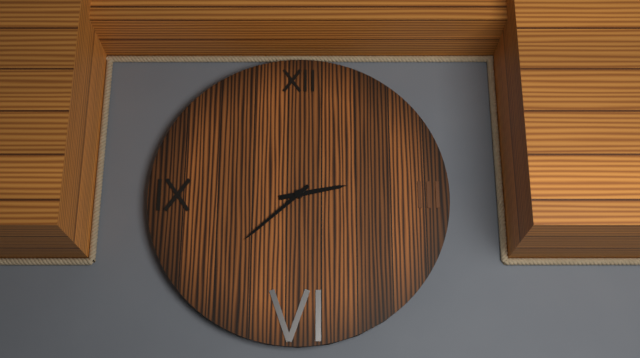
2h38
